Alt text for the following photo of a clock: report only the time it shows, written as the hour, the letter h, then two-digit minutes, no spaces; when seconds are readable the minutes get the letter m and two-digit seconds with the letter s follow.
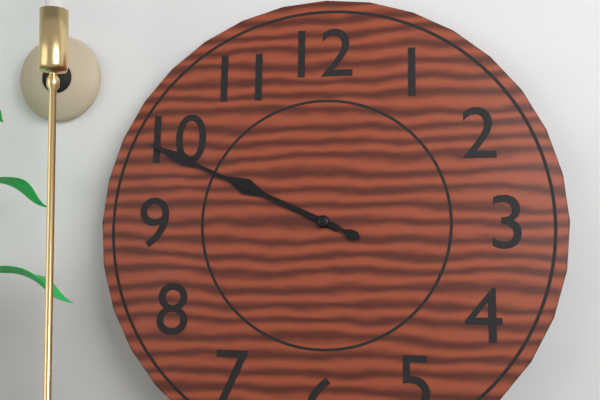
9h49
